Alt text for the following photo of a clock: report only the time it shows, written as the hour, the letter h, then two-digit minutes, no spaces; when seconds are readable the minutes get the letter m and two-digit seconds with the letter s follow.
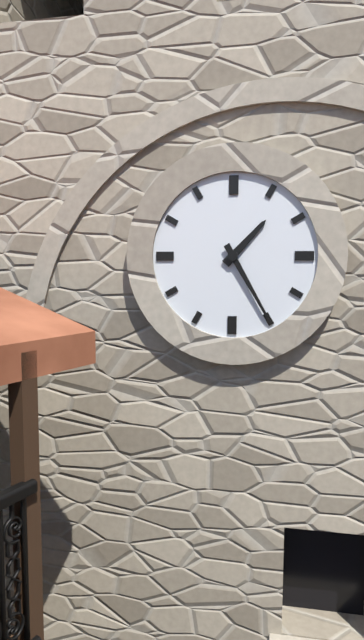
1h25
